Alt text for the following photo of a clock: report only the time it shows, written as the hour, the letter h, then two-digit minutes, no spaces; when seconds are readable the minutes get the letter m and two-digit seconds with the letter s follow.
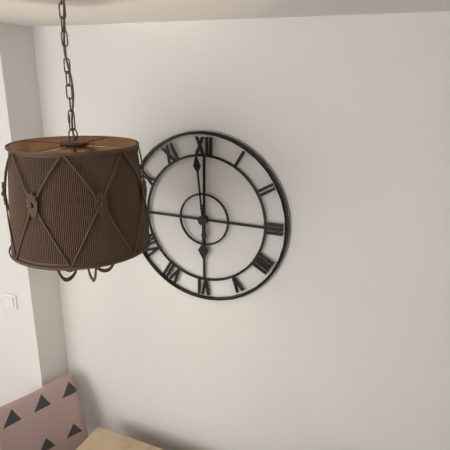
5h59
